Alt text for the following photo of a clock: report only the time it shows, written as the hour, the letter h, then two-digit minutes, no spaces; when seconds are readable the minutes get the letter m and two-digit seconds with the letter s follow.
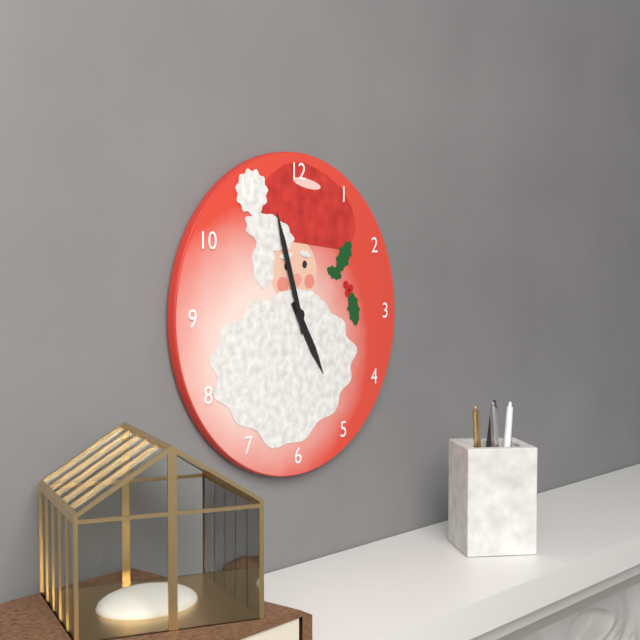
4h57
